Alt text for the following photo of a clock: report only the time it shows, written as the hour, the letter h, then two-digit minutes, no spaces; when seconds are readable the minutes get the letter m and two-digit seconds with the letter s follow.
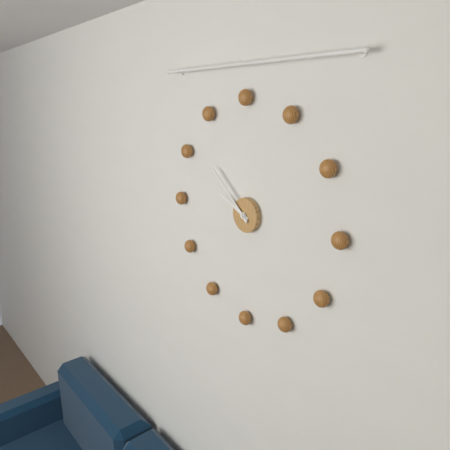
9h52
